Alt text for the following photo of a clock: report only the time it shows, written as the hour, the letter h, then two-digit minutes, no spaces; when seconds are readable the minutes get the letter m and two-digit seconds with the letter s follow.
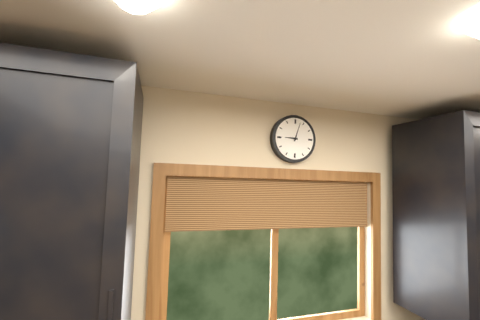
9h03
